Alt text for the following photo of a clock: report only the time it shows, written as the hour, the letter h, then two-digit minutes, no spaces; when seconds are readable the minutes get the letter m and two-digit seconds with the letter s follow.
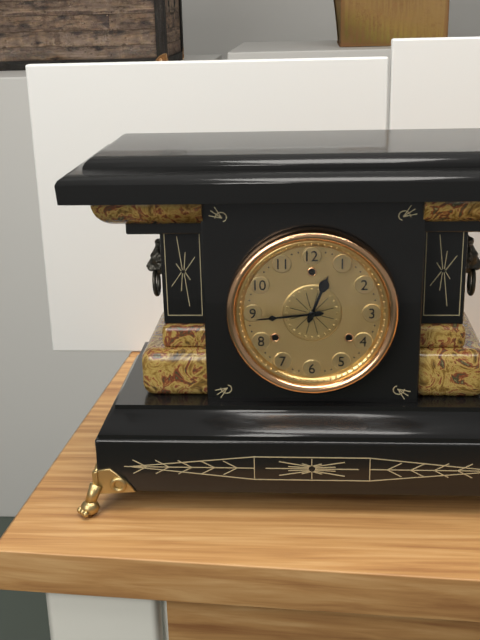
12h44
